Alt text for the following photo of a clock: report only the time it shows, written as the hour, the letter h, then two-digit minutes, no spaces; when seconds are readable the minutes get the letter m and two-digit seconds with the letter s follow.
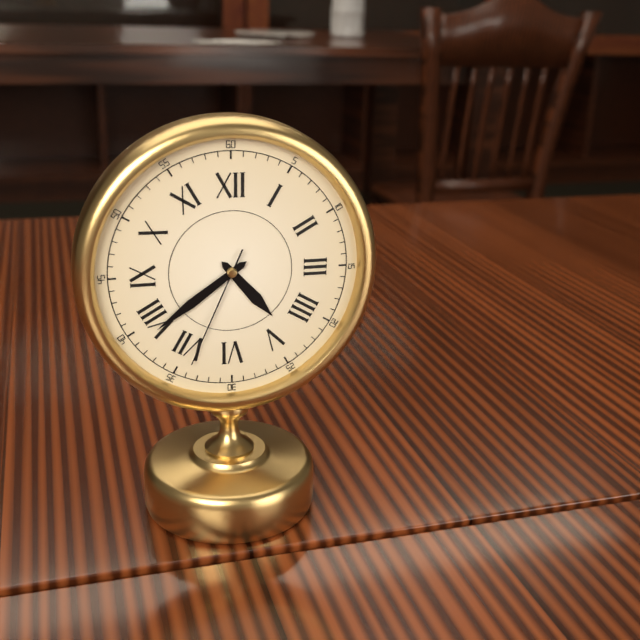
4h39m34s
